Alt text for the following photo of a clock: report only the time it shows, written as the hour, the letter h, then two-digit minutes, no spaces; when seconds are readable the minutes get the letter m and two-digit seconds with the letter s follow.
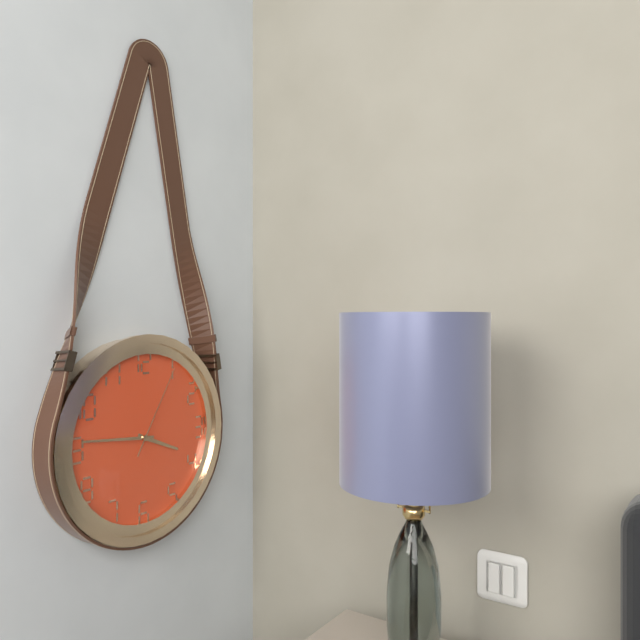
3h46m05s
